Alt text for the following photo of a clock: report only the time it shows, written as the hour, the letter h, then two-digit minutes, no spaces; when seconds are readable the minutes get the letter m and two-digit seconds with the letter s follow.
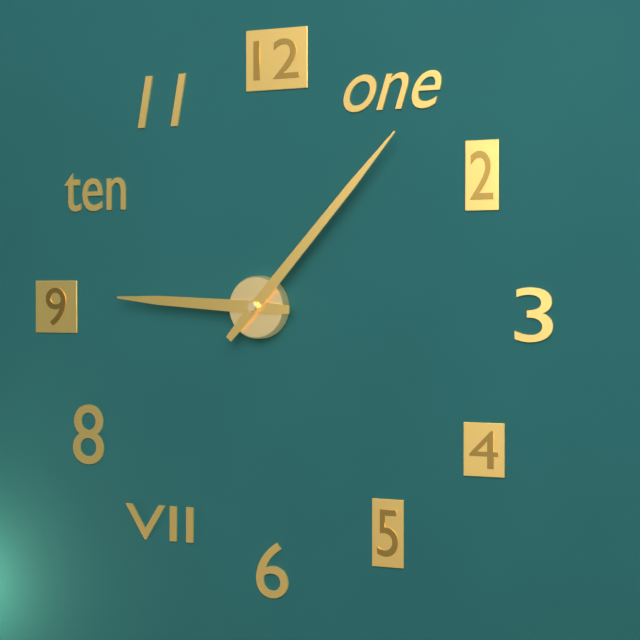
9h07
